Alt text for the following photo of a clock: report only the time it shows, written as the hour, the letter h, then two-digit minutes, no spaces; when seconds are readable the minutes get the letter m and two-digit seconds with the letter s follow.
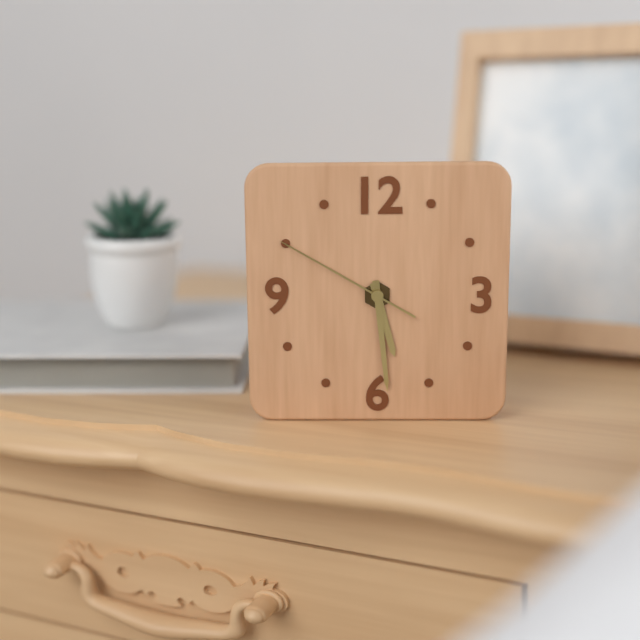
5h29m50s
